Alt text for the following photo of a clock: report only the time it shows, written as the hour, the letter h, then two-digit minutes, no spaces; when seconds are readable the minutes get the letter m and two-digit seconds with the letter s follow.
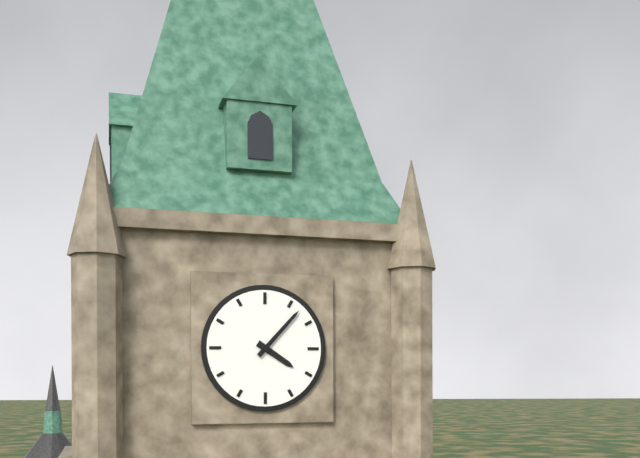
4h07
